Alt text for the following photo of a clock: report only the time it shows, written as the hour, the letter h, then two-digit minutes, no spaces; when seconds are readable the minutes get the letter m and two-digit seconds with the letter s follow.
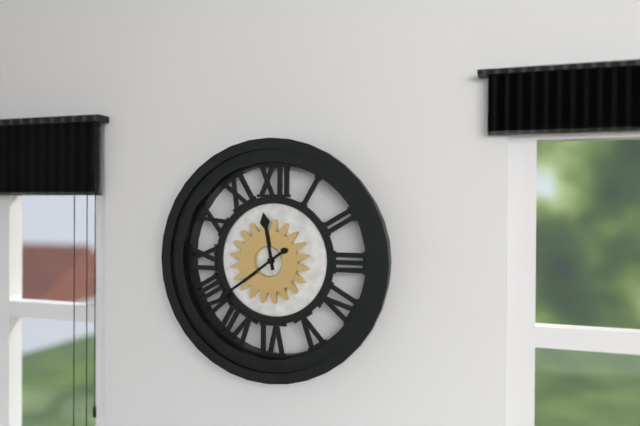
11h39
